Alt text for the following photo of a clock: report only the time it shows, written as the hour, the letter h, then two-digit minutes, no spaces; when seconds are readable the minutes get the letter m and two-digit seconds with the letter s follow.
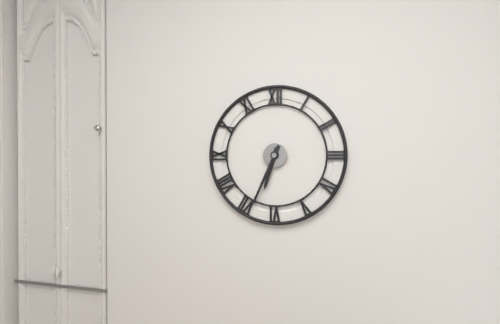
6h34
